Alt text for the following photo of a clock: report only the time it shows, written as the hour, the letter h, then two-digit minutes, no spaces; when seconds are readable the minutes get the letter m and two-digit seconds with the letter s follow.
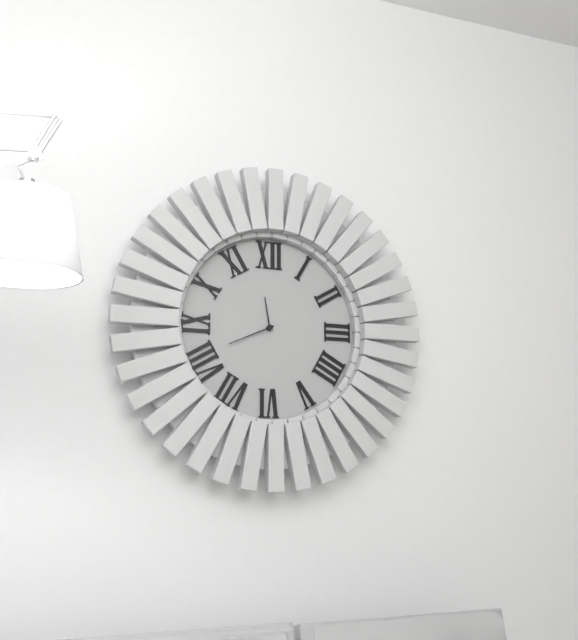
11h41
